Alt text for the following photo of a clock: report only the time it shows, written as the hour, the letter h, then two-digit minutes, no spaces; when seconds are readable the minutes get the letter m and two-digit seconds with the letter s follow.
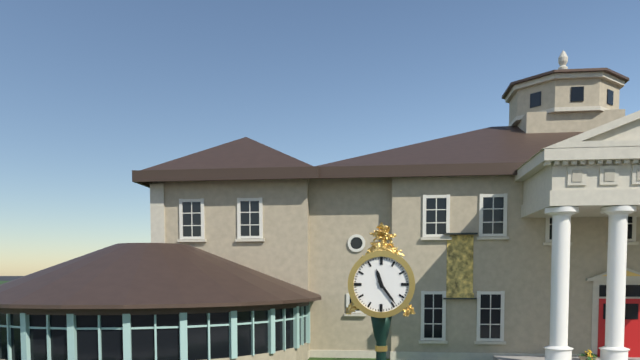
11h24
